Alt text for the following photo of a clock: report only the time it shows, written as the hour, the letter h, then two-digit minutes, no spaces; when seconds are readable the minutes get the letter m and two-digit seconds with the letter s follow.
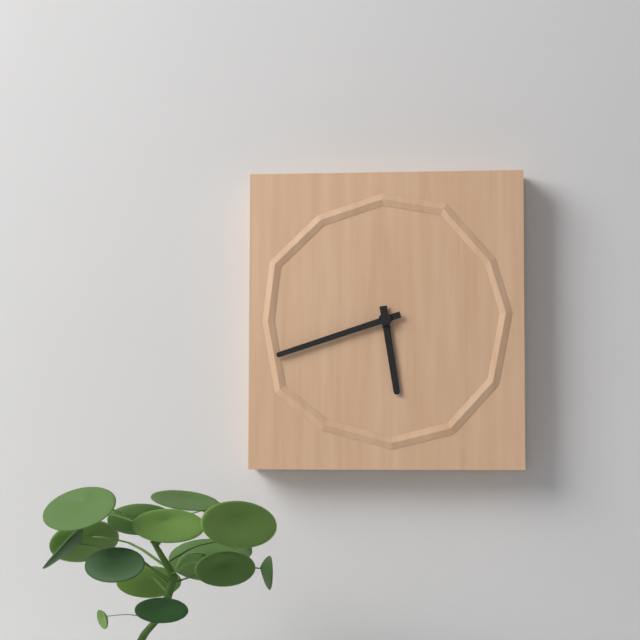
5h42
